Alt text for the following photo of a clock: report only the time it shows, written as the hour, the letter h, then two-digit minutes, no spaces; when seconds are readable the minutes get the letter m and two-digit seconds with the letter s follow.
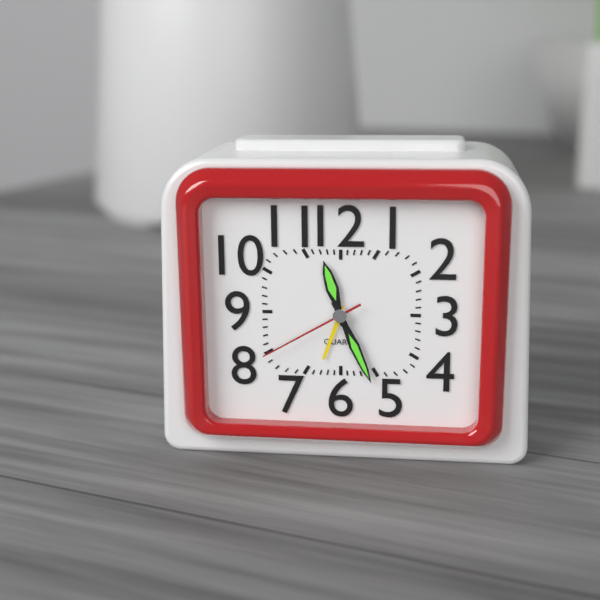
11h26m40s
